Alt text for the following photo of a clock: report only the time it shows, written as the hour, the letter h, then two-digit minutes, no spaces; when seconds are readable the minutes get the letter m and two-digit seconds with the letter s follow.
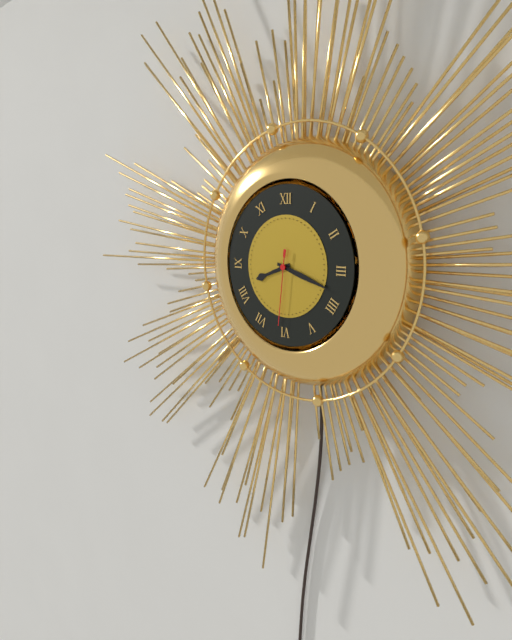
8h18m31s
